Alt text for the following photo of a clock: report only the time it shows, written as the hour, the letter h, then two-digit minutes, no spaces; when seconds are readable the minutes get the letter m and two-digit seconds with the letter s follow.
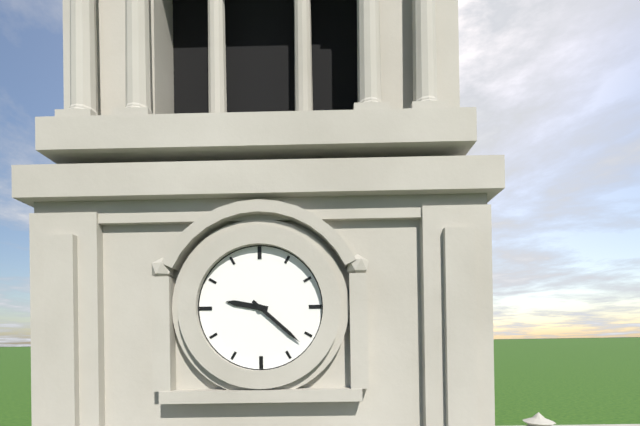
9h22
